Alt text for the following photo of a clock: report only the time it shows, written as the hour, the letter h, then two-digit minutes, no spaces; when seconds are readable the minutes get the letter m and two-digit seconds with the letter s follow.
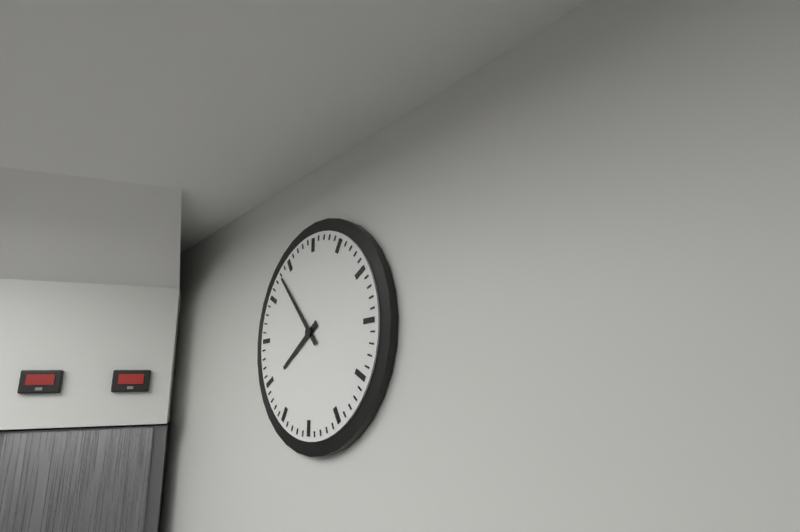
7h53
